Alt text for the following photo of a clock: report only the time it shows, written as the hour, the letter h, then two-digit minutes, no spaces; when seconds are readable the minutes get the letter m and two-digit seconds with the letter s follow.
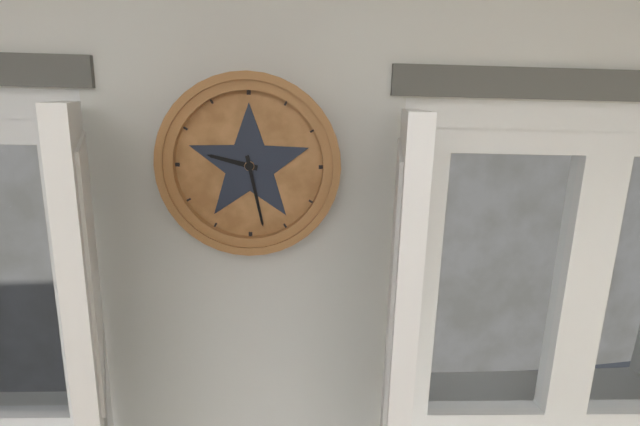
9h28
